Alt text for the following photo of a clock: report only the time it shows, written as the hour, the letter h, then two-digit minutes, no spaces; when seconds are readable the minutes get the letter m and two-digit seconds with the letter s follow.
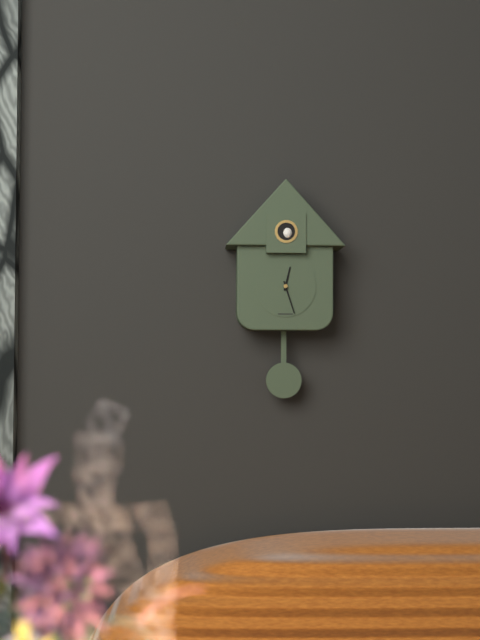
12h27
